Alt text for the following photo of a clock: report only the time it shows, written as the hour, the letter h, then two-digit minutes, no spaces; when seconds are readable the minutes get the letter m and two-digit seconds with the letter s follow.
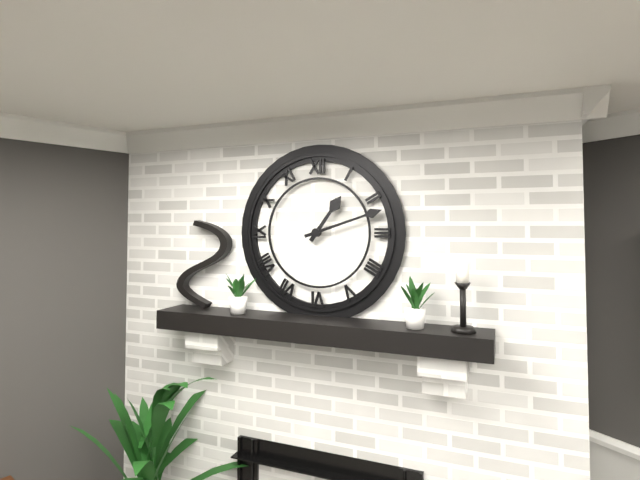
1h12
